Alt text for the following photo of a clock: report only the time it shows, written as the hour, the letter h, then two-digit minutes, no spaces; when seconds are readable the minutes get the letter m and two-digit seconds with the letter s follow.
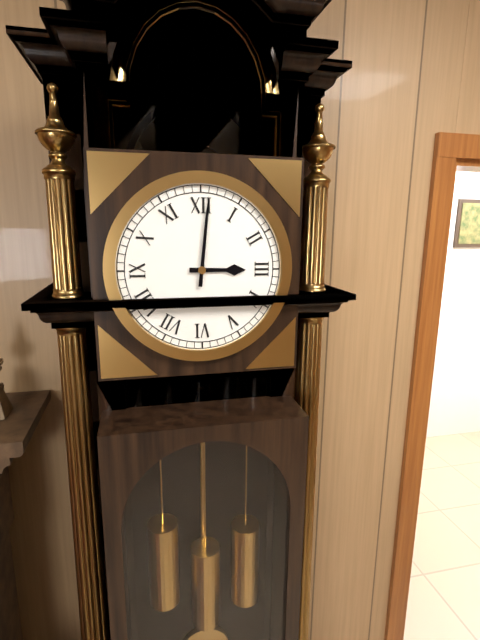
3h01
